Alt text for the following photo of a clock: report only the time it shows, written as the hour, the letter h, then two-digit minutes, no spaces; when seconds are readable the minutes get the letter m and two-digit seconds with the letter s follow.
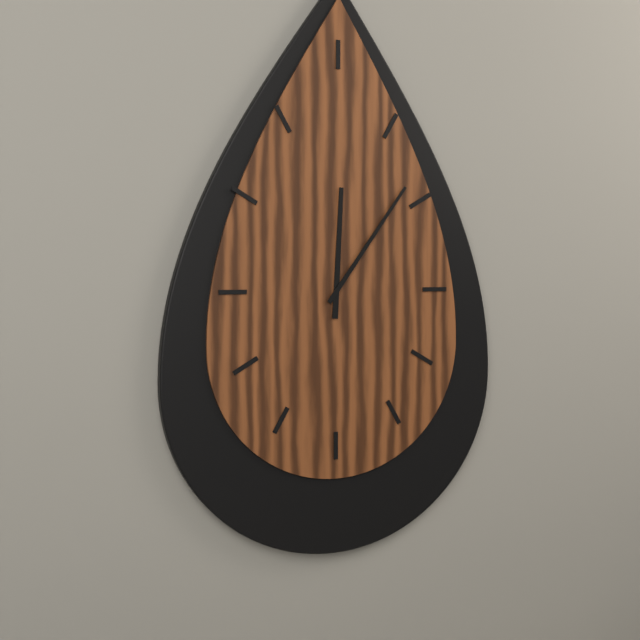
12h06
